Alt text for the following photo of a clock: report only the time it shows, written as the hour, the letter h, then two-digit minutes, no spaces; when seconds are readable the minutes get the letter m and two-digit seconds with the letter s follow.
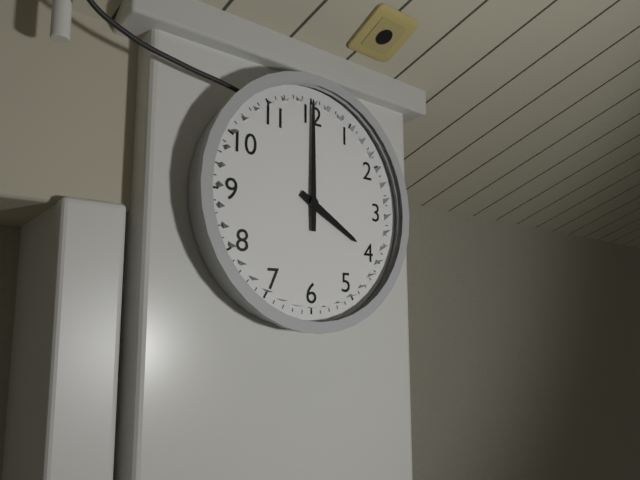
4h00
